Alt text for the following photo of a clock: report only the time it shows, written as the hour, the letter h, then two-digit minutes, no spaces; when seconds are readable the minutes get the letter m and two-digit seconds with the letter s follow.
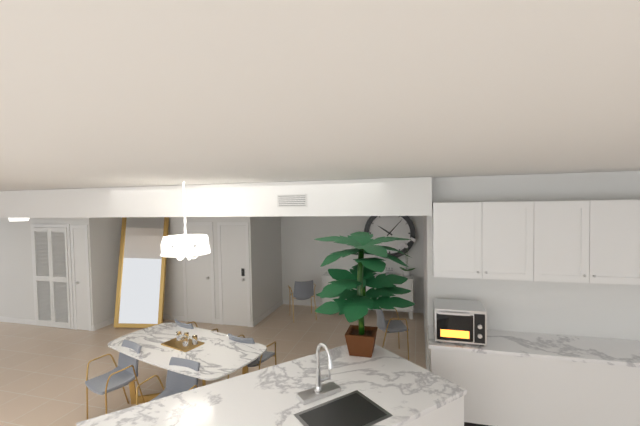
10h07
